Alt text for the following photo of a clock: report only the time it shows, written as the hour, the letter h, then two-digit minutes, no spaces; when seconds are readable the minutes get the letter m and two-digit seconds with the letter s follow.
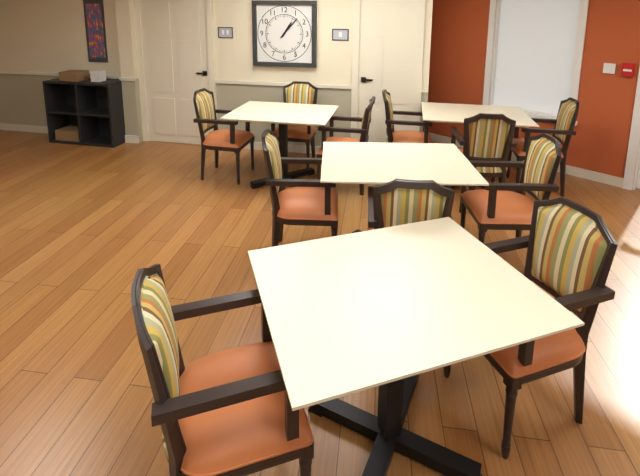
1h07
